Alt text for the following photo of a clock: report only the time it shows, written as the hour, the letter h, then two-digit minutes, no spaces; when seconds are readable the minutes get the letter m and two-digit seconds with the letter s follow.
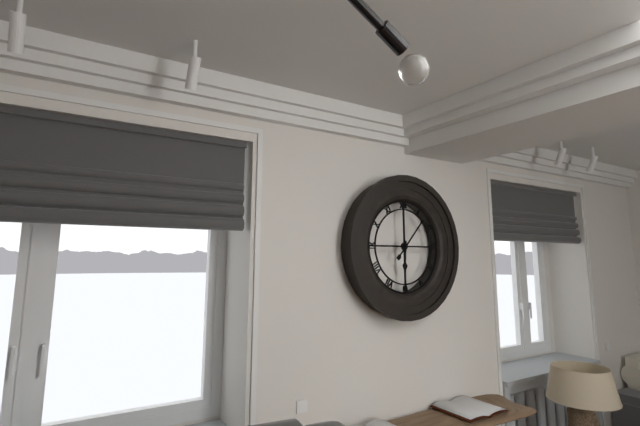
6h07
